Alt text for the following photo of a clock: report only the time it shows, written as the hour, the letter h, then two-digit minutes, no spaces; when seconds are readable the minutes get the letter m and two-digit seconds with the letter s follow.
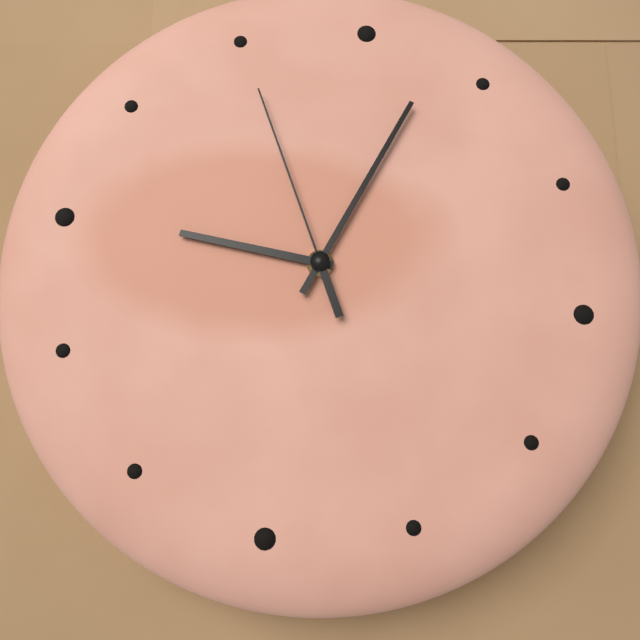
9h03m55s
